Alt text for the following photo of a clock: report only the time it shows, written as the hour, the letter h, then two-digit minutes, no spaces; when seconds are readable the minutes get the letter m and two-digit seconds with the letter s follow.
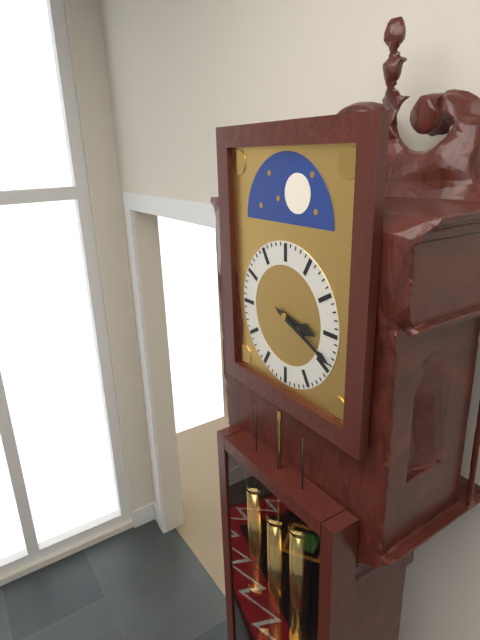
3h19
